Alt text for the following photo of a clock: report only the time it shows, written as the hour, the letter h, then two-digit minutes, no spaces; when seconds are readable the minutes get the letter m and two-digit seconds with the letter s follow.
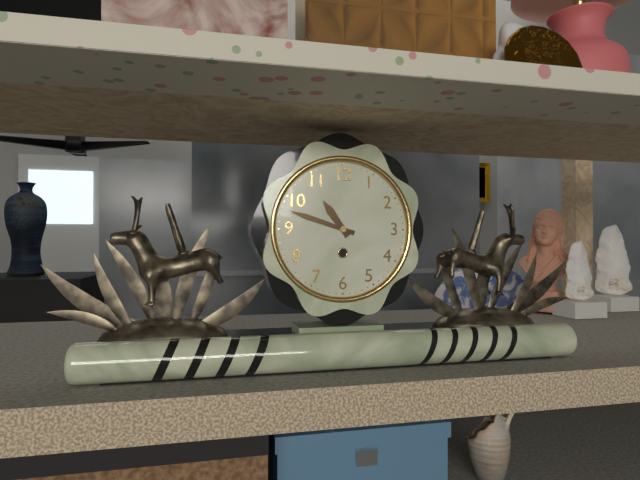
10h48
